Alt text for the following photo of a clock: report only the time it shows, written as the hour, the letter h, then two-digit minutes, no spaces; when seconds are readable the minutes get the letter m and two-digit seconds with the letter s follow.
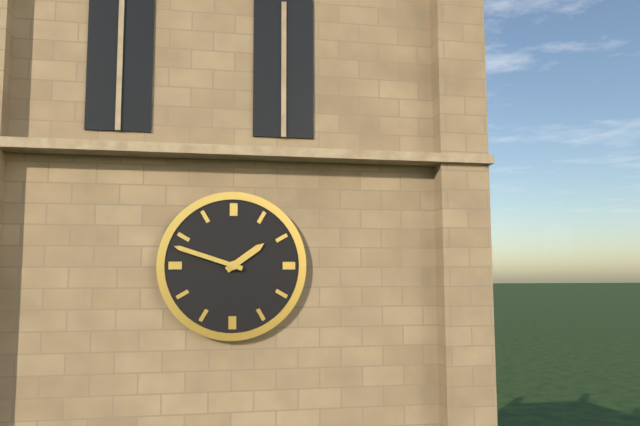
1h48
